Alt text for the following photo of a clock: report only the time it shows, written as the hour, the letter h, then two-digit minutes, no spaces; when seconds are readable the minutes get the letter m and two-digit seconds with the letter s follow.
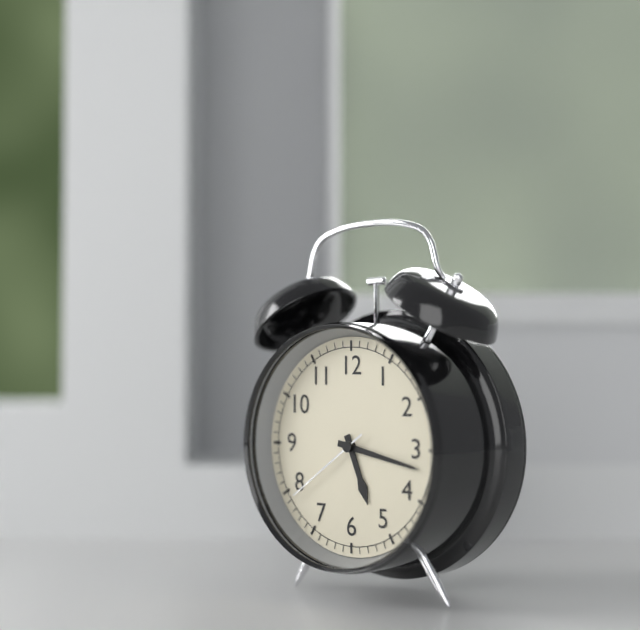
5h17m39s
